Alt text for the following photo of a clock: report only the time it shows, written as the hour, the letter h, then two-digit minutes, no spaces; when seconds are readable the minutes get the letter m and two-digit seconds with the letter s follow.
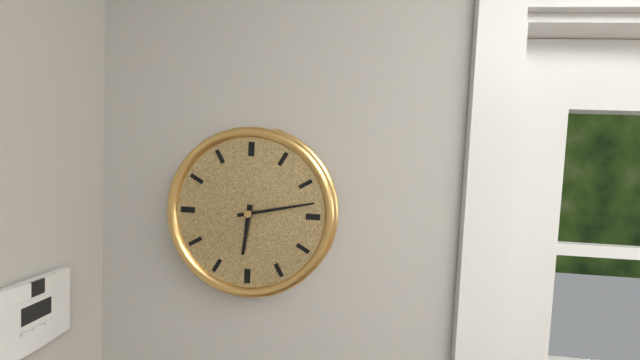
6h13
